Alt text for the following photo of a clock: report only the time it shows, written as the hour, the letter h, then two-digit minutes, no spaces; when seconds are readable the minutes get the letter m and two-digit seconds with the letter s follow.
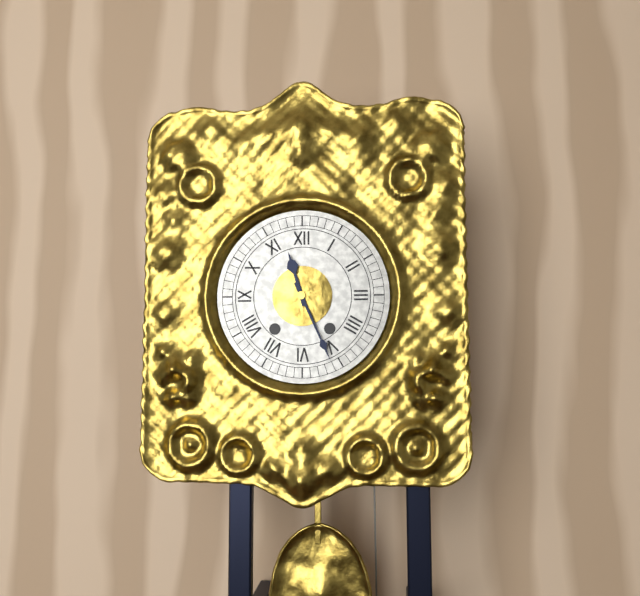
11h26
